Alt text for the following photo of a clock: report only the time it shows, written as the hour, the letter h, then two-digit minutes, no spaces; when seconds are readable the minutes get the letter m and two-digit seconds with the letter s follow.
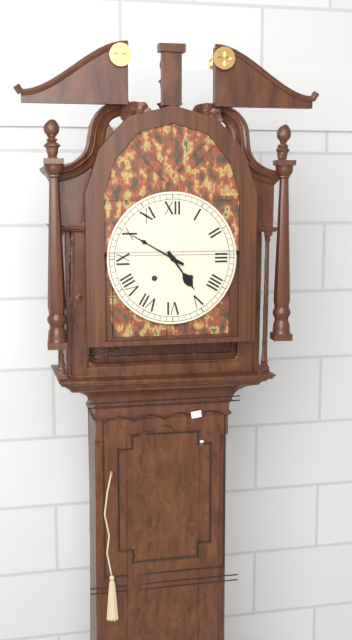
4h50
